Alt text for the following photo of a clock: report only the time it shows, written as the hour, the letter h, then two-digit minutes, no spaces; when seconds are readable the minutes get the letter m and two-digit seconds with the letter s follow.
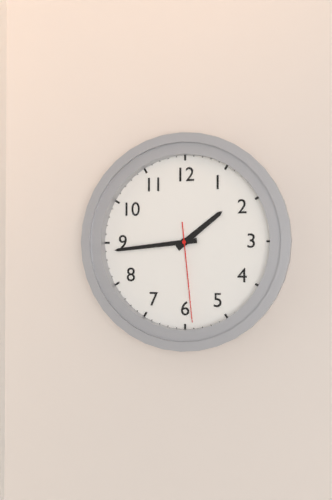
1h44m29s
